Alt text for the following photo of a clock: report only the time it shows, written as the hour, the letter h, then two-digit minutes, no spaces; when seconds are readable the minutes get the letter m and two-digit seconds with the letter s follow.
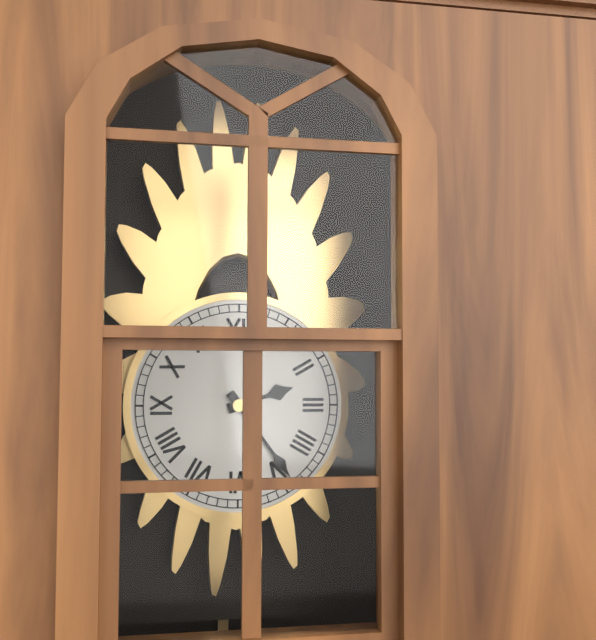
2h24
